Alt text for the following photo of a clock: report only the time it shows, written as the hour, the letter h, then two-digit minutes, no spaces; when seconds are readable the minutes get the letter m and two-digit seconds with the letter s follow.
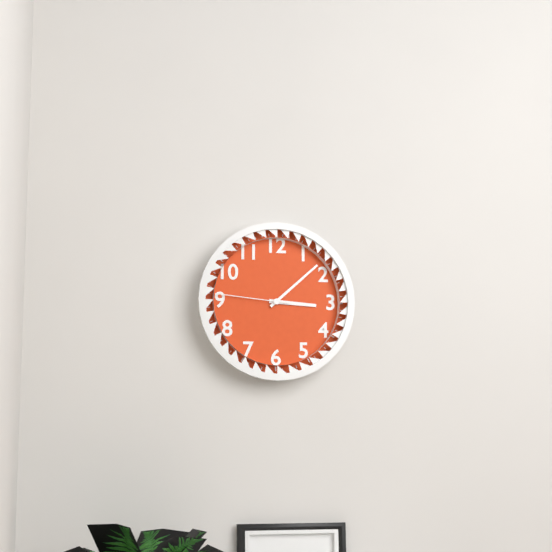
3h08m46s
